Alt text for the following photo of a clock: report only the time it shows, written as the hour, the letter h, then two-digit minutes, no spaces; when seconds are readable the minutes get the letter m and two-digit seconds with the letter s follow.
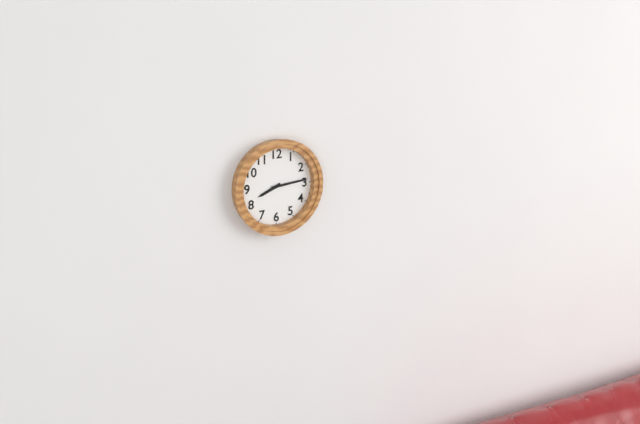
8h14
